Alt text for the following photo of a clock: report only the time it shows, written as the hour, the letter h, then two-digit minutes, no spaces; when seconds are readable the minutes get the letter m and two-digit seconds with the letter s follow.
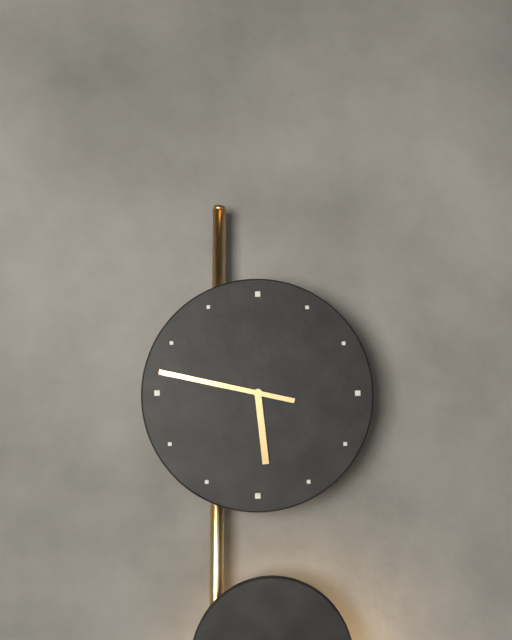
5h47
